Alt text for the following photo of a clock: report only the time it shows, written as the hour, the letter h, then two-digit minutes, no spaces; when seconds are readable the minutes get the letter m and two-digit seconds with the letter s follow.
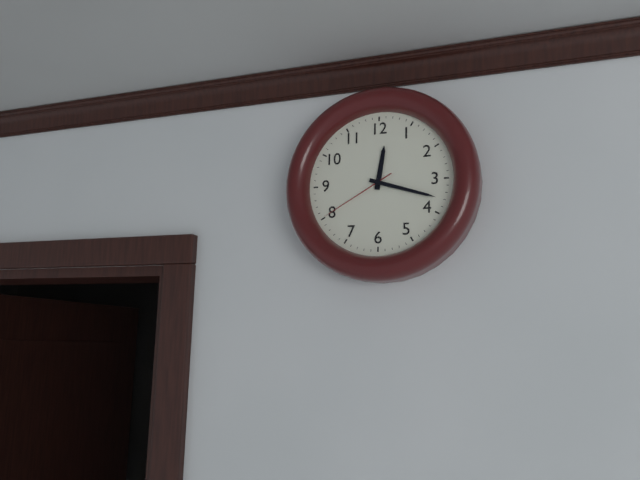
12h18m40s
